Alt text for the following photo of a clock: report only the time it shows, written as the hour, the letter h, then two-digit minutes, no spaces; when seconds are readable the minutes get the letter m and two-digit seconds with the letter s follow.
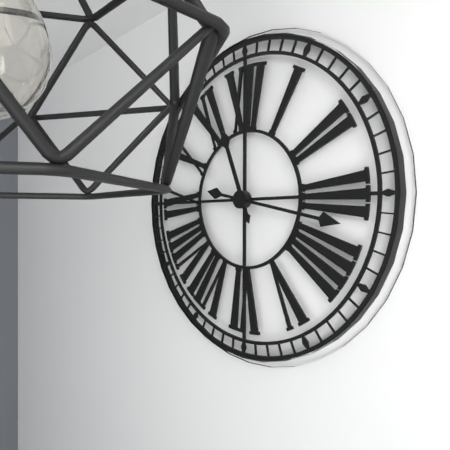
11h17
